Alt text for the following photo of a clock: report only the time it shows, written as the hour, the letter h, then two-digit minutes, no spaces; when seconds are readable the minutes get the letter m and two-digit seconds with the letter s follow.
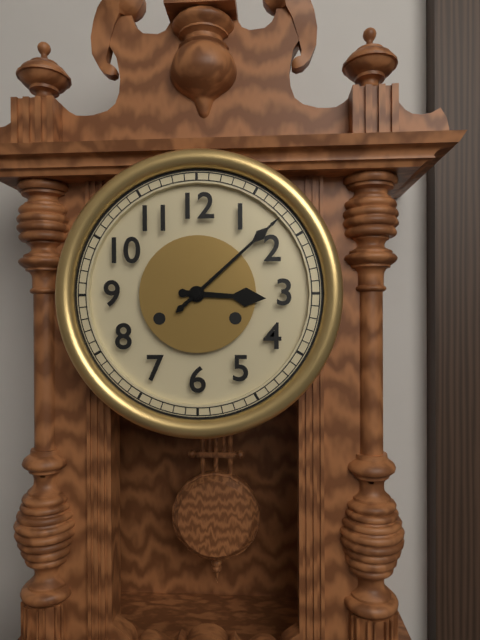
3h08
